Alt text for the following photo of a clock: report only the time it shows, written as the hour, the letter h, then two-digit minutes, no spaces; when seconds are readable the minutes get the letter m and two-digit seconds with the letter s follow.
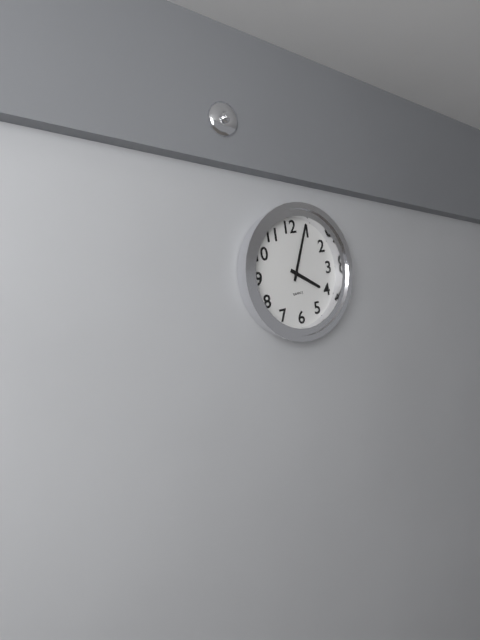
4h04
